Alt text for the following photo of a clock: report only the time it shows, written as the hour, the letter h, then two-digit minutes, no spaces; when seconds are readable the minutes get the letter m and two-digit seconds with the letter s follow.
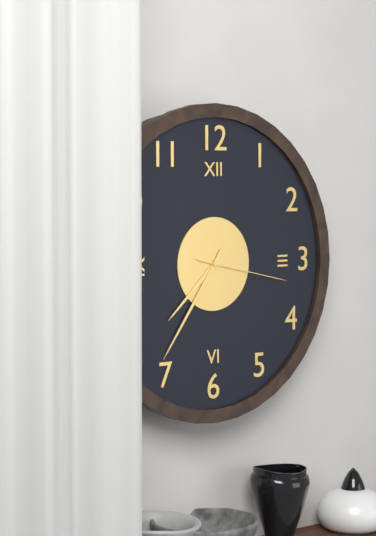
7h36m17s
